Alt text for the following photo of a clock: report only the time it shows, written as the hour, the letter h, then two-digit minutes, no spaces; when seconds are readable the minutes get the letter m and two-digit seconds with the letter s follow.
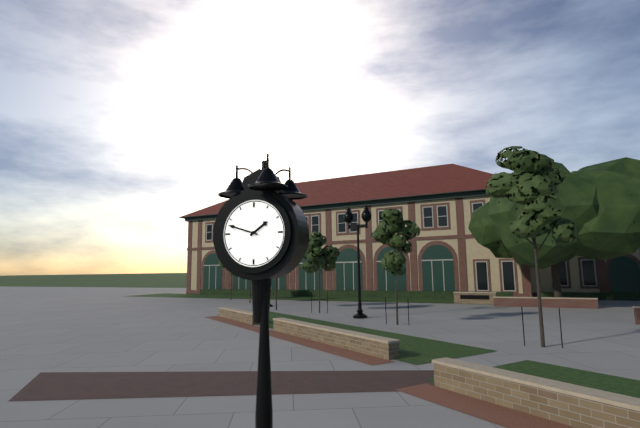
1h48
